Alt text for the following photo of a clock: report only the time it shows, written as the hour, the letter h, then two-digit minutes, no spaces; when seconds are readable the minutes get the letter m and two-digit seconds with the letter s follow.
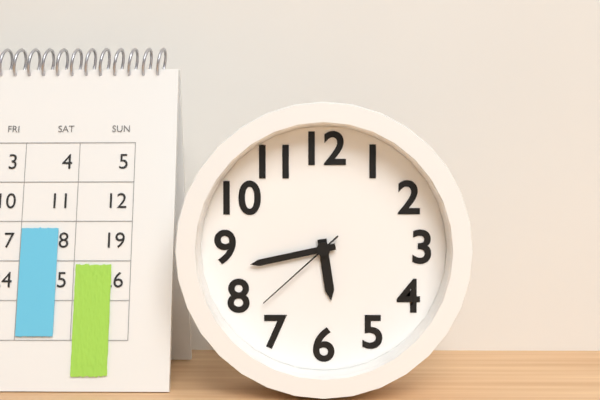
5h43m38s
